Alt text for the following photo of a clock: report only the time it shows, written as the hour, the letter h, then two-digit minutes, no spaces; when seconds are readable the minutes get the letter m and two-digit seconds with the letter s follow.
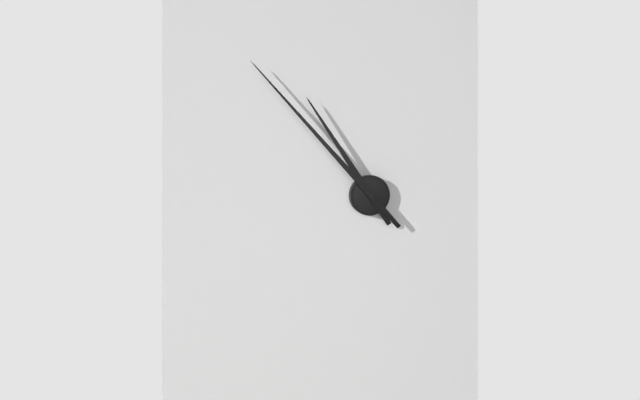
10h53
